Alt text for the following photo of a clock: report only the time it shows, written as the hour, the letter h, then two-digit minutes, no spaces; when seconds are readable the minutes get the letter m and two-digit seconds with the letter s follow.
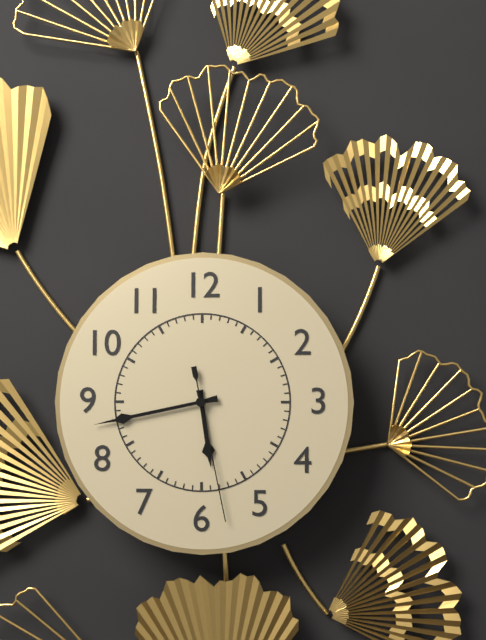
5h43m28s
